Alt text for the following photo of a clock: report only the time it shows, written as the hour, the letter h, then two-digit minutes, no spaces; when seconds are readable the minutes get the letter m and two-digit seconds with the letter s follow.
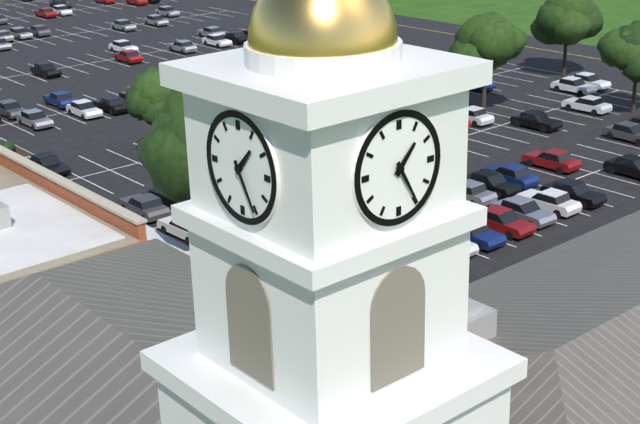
1h25
